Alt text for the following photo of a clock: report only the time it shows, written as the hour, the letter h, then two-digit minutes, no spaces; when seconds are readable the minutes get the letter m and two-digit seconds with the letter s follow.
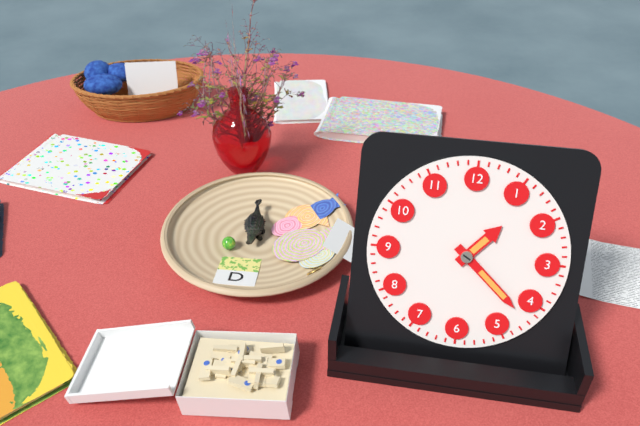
1h22
